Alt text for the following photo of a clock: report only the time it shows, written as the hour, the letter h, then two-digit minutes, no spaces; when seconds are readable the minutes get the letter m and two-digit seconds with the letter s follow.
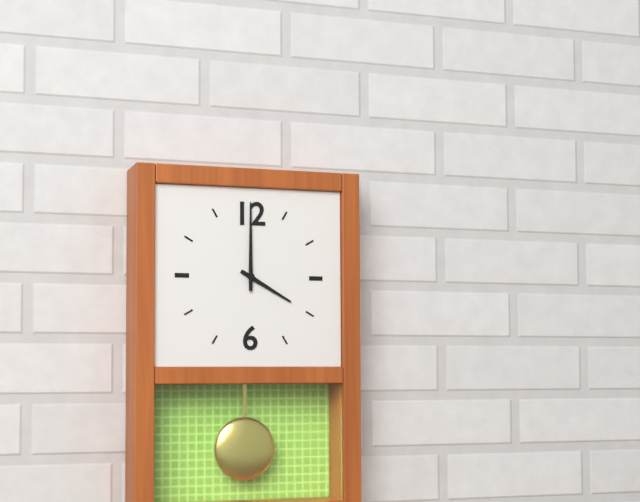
4h00
